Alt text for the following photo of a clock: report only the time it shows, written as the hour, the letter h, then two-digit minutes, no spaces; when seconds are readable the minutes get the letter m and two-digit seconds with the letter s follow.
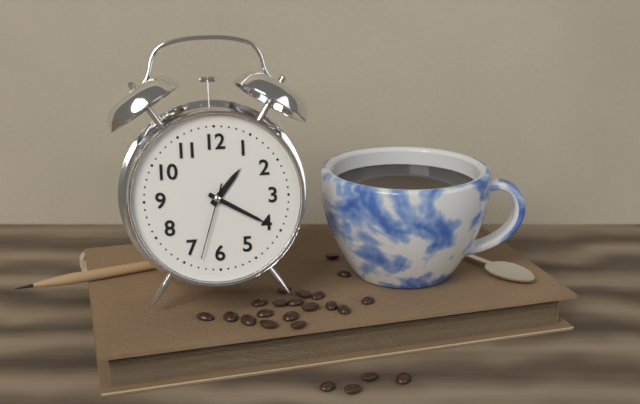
1h20m33s
